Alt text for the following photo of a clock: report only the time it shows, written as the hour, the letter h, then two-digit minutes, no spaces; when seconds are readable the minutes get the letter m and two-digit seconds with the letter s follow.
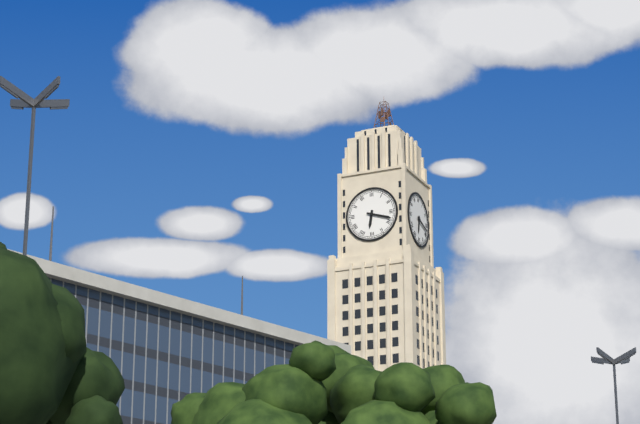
6h18
